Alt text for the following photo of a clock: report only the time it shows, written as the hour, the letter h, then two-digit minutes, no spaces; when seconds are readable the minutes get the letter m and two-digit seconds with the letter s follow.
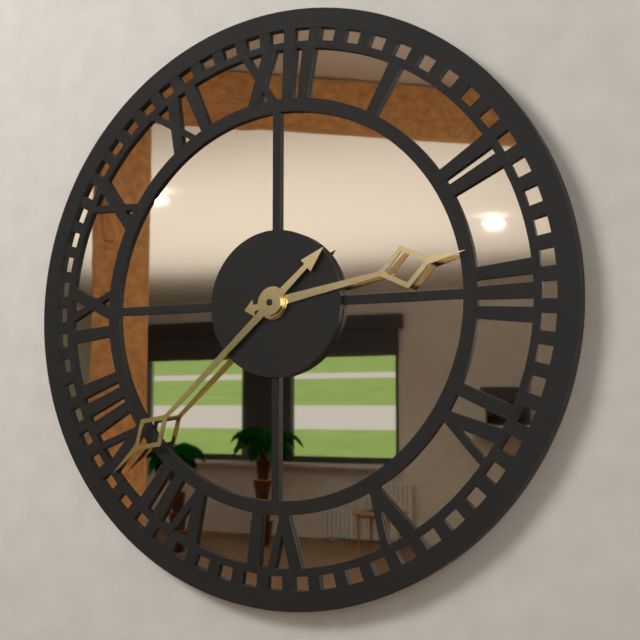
2h38
